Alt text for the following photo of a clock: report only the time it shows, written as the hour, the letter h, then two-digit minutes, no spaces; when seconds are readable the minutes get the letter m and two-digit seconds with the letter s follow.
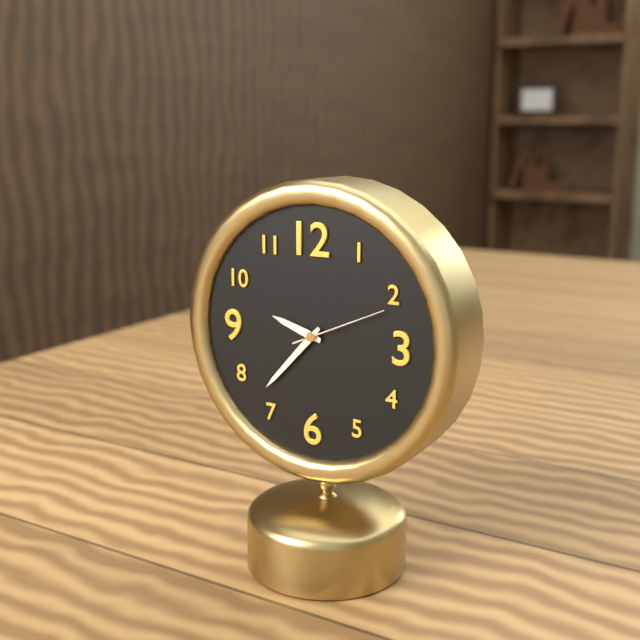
9h37m11s
